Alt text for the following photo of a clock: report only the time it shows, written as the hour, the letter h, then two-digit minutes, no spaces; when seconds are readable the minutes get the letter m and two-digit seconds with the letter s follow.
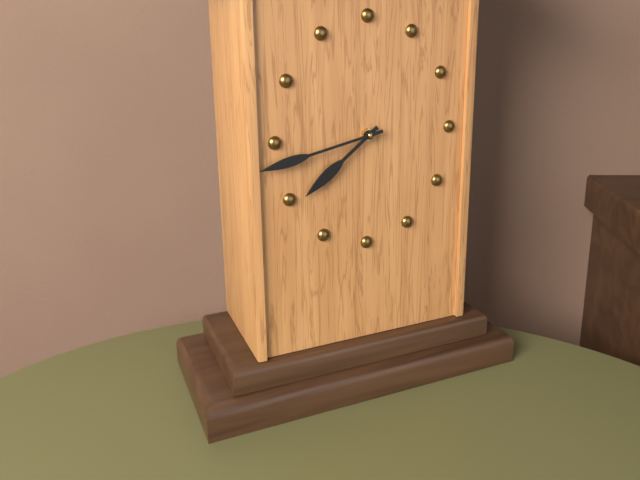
7h43
